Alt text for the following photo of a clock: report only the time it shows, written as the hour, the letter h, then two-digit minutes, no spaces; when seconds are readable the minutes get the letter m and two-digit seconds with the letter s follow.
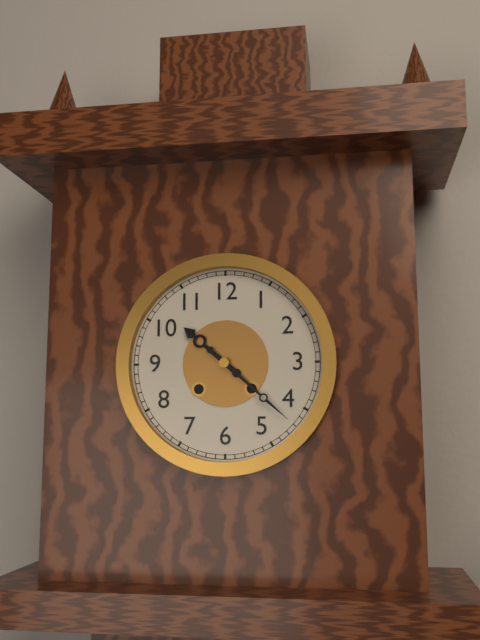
10h22
